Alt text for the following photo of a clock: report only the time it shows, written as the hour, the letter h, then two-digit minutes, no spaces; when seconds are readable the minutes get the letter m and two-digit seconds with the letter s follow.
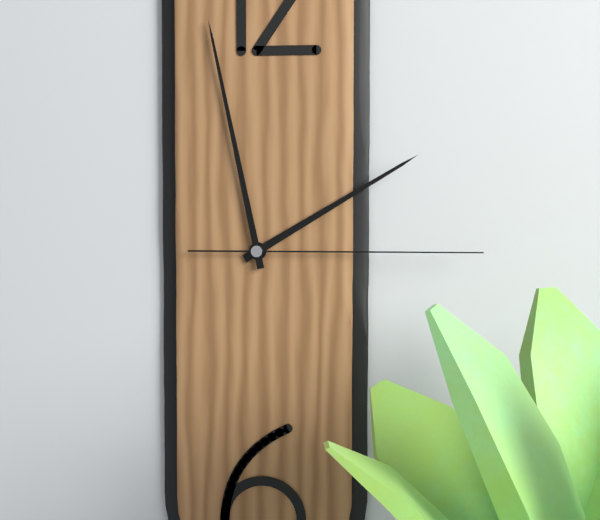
1h58m15s
